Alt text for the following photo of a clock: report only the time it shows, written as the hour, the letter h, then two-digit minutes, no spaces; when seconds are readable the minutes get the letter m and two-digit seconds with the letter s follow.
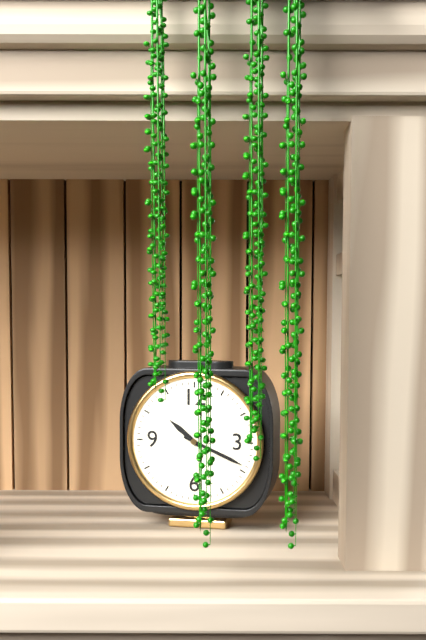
10h19
